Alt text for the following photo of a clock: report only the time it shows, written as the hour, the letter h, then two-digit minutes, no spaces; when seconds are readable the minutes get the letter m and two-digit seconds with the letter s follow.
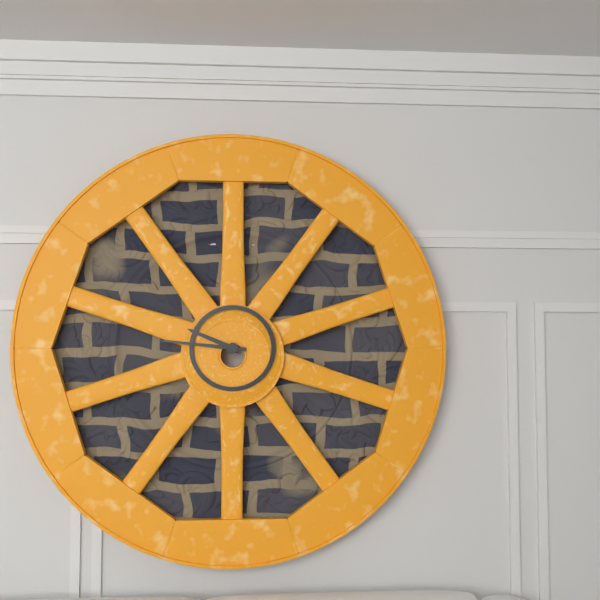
9h46
